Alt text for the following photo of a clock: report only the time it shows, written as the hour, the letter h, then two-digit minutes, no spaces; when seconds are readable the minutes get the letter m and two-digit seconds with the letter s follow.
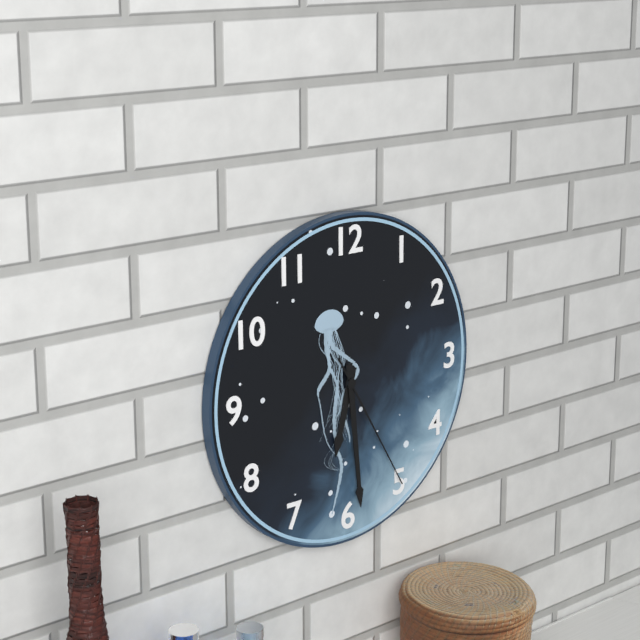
6h29m25s
